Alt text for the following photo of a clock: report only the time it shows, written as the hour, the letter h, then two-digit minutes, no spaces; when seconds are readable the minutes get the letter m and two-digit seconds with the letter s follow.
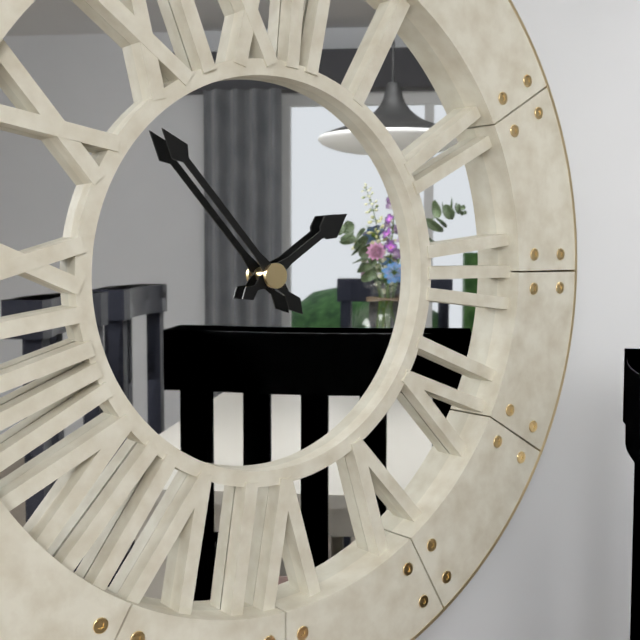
1h53
